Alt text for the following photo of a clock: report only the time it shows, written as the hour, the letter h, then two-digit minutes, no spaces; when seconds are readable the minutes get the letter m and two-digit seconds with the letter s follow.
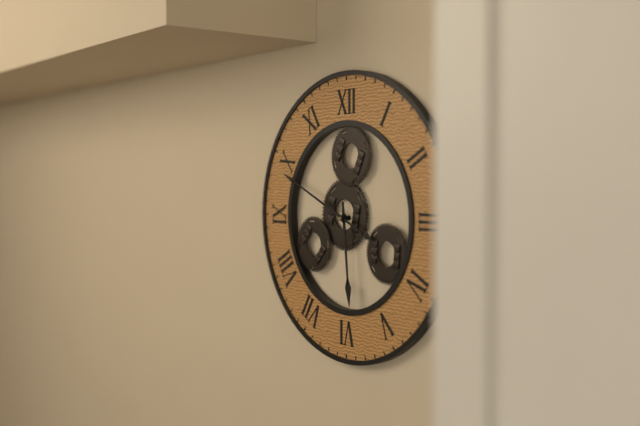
5h49
